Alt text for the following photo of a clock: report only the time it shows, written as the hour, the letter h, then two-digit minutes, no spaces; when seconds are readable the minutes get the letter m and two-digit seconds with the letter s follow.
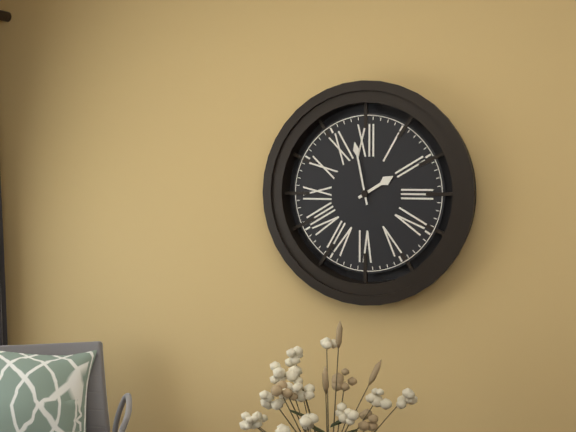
1h58
